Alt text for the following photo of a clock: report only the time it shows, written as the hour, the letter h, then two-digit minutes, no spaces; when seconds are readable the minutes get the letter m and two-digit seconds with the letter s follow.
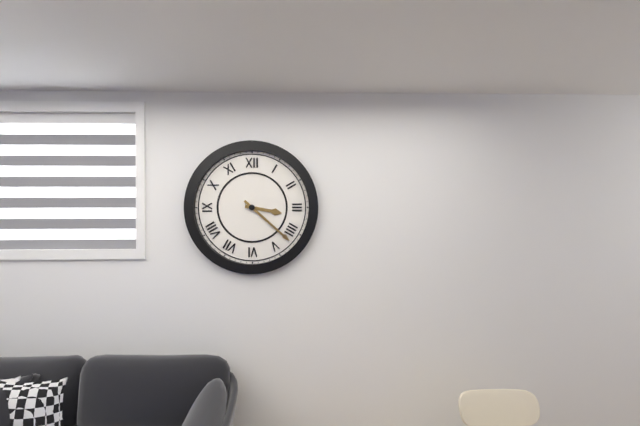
3h22
